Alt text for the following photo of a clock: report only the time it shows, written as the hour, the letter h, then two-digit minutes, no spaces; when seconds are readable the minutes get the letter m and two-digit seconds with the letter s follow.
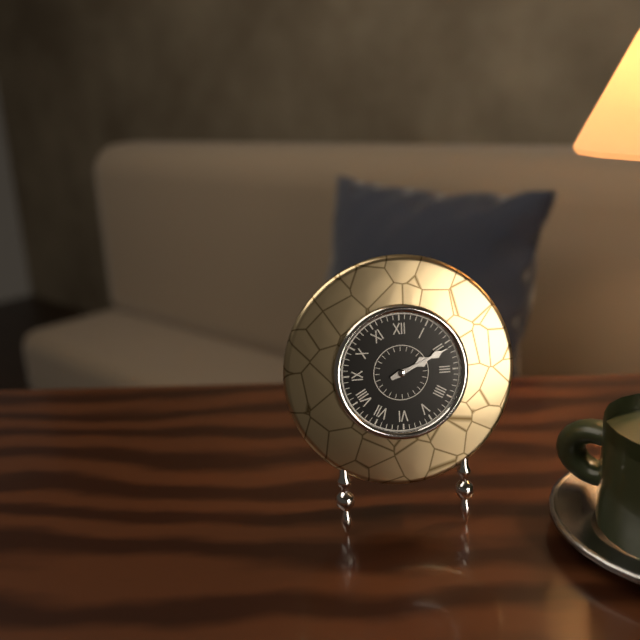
2h11
